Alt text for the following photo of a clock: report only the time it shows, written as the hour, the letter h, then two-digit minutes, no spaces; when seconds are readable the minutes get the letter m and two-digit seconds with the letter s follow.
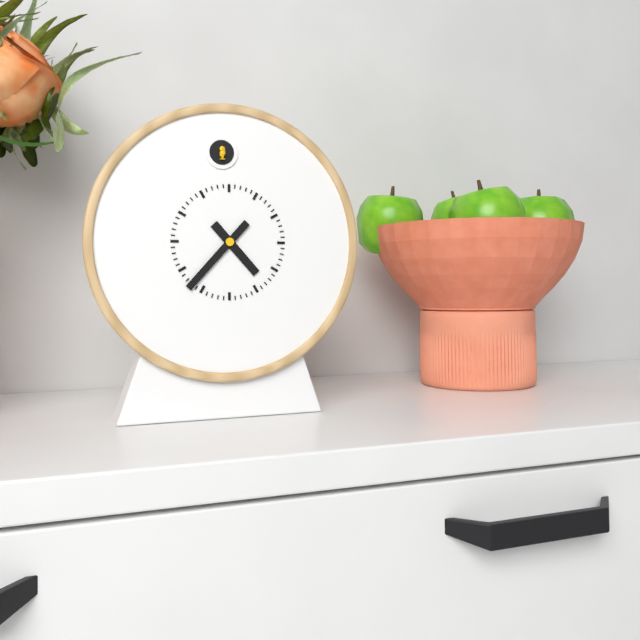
4h37
